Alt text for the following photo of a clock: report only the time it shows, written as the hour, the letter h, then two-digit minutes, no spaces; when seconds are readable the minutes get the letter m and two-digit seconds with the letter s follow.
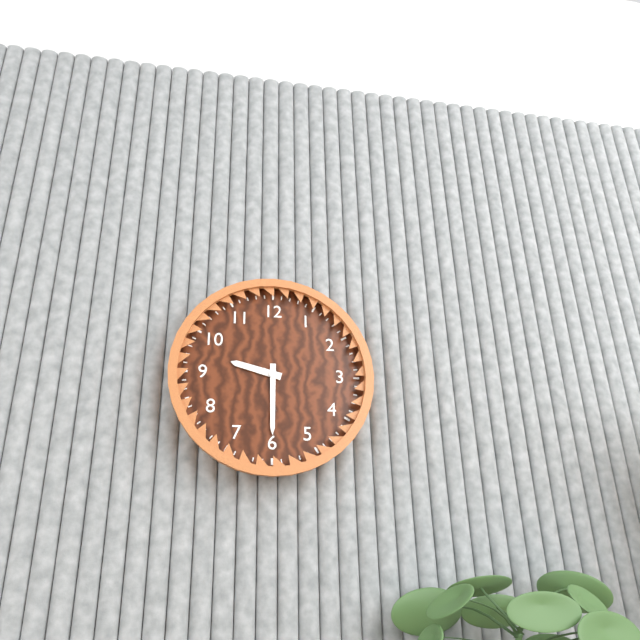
9h30
